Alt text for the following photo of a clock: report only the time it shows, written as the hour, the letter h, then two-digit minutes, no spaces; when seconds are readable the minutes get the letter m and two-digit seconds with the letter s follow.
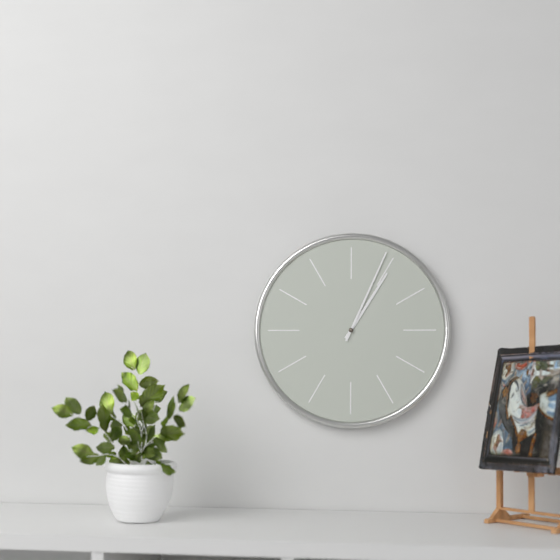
1h04
